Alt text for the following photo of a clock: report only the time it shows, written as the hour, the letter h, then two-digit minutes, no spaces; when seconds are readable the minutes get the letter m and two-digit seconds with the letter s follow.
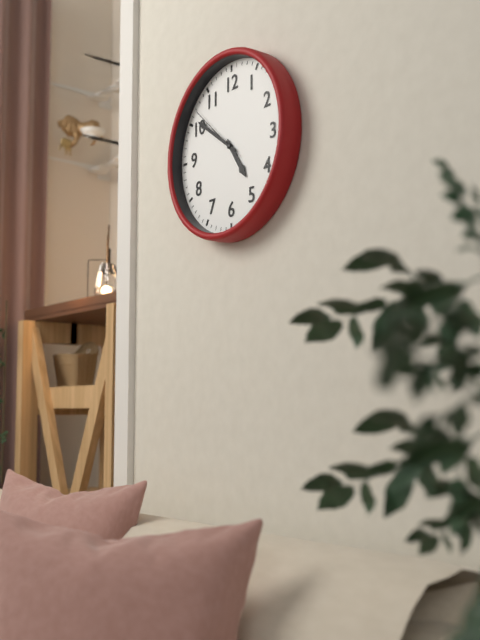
4h51m52s
